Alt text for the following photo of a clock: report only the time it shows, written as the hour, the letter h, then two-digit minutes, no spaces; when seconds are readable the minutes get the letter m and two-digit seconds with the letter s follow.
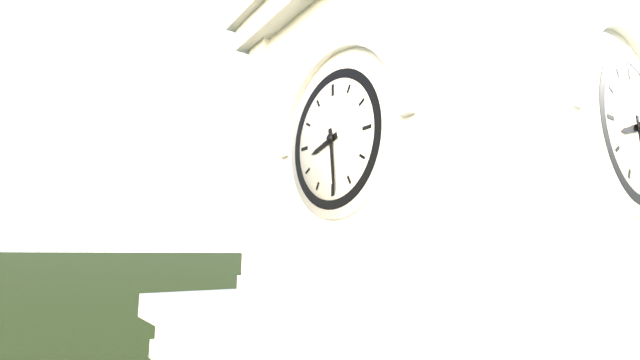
8h29
